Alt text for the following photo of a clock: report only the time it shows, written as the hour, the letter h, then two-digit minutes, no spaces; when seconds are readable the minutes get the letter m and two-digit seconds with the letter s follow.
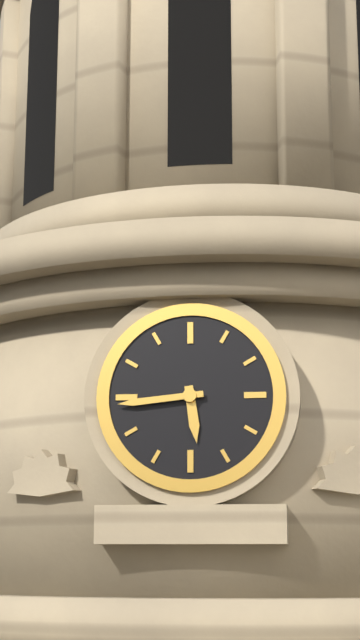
5h44
